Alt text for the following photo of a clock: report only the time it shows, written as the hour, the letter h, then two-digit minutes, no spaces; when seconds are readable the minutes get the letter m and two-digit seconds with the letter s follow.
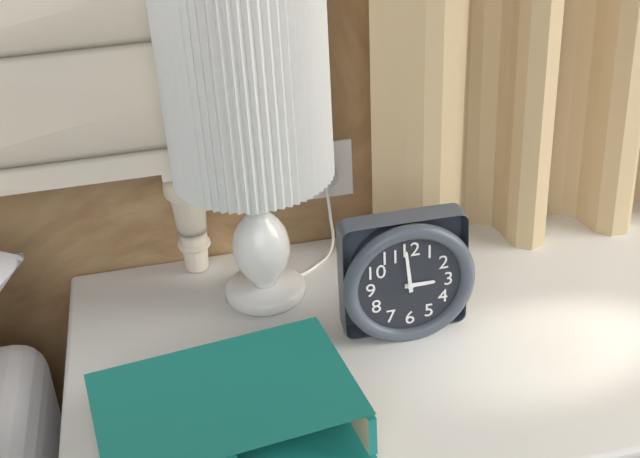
2h59
